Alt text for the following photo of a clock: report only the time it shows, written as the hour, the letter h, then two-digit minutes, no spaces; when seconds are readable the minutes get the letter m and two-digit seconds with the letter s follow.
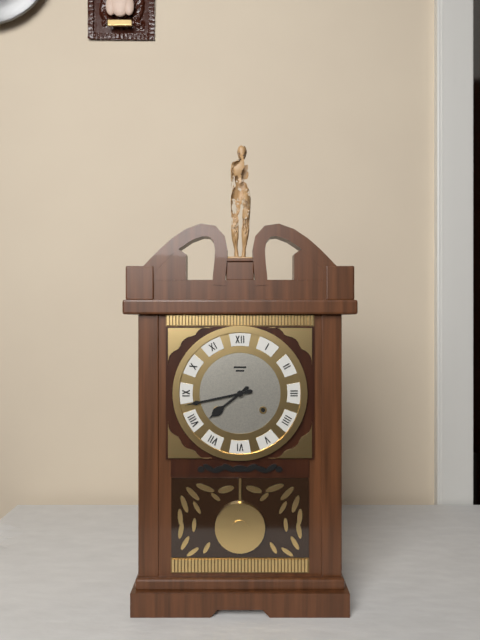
7h43
